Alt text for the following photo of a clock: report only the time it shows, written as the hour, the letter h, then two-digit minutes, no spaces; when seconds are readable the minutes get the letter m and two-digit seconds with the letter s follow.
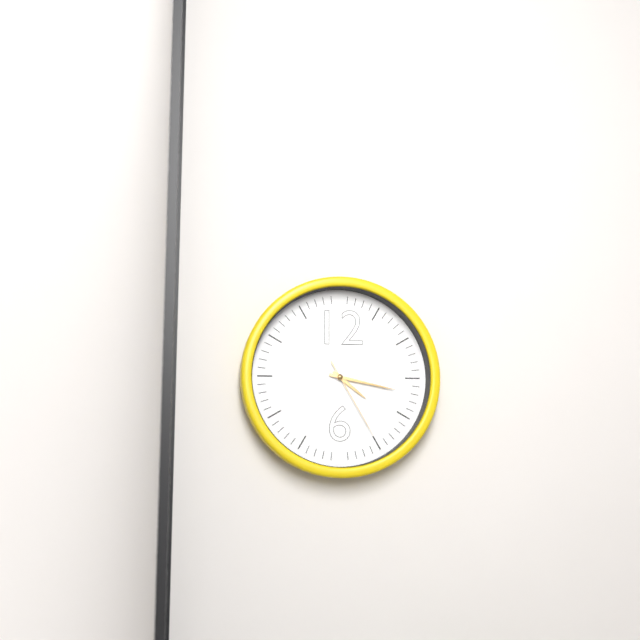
4h17m25s
